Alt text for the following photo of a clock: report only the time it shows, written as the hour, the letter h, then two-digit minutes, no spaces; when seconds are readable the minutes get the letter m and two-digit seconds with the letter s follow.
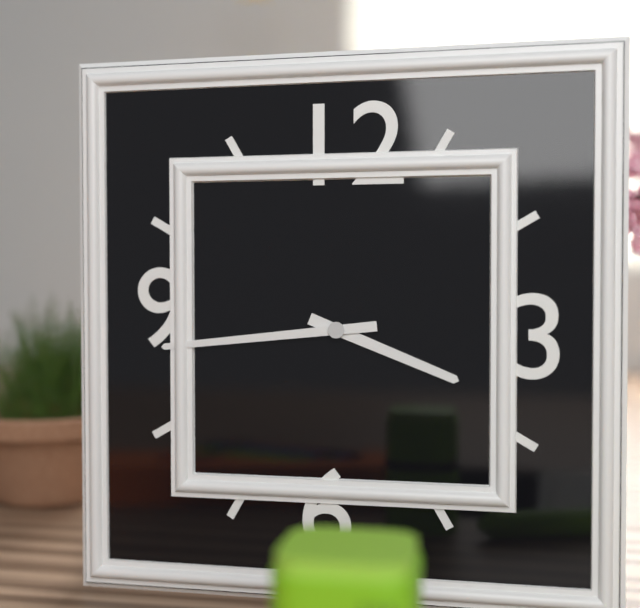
3h44
